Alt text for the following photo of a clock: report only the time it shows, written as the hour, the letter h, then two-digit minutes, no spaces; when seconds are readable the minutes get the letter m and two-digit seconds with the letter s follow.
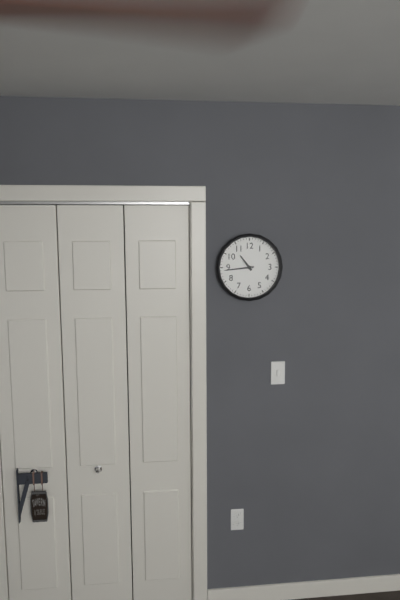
10h44
